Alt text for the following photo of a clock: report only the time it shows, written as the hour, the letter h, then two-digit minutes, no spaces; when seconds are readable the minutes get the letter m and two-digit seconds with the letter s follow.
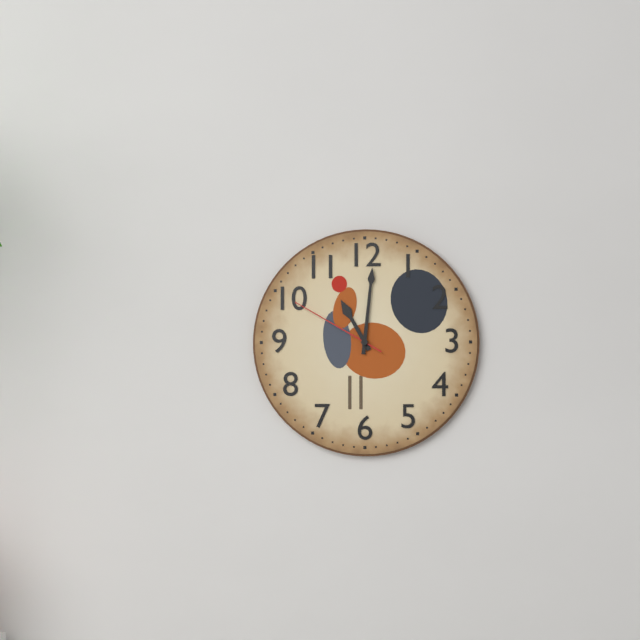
11h01m50s
